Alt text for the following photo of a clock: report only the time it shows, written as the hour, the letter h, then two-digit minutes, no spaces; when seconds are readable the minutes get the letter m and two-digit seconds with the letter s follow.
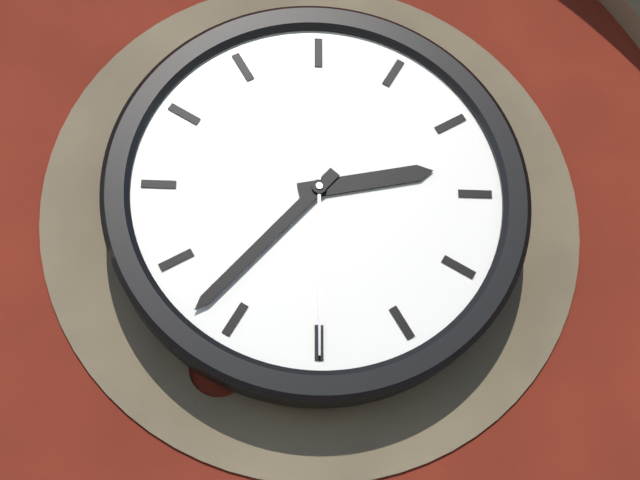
2h37m30s
